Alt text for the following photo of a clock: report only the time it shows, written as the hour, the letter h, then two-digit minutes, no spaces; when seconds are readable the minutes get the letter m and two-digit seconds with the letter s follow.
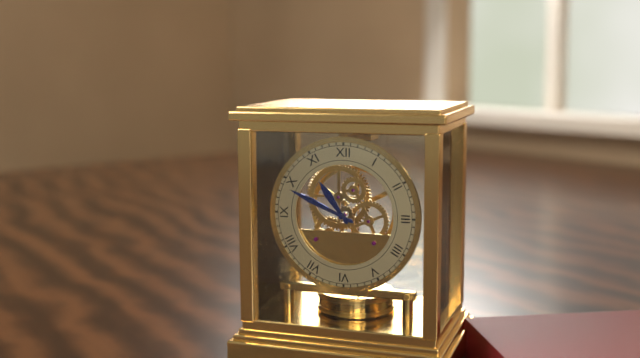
10h49
